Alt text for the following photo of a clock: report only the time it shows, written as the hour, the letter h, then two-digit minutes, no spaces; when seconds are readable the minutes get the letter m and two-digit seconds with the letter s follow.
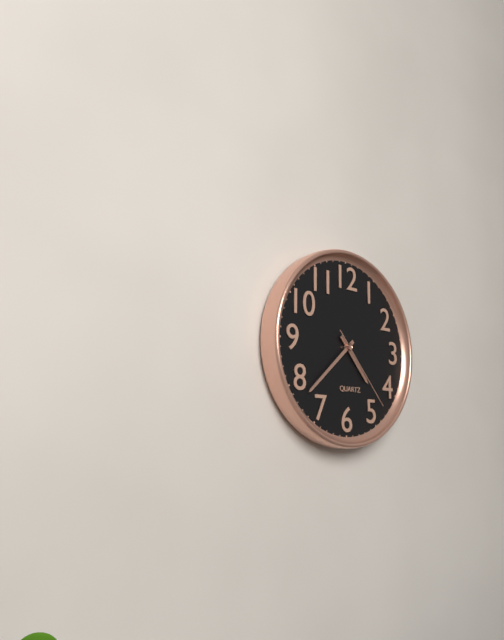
4h38m23s
